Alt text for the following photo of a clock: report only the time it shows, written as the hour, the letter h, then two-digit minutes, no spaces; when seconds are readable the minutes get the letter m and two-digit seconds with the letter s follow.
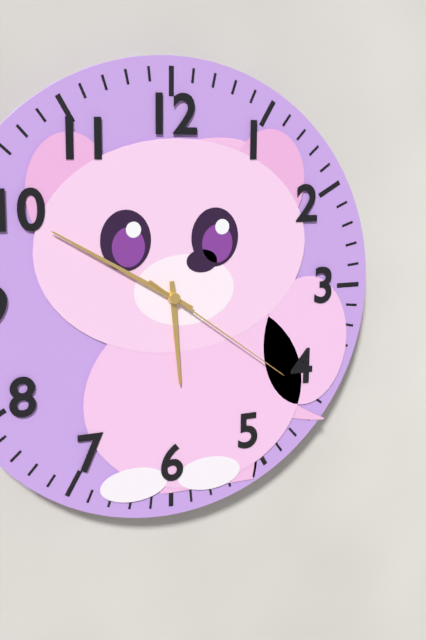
5h50m21s
